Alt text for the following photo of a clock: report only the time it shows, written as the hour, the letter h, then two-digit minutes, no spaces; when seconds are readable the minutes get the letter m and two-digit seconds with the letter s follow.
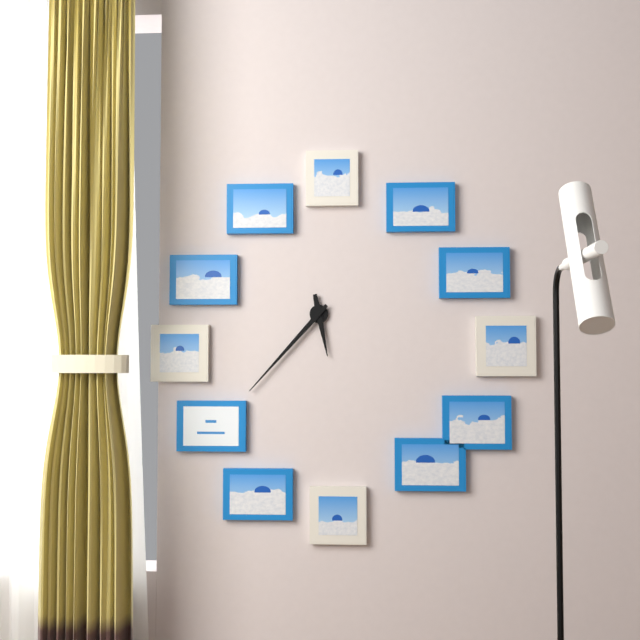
5h37
